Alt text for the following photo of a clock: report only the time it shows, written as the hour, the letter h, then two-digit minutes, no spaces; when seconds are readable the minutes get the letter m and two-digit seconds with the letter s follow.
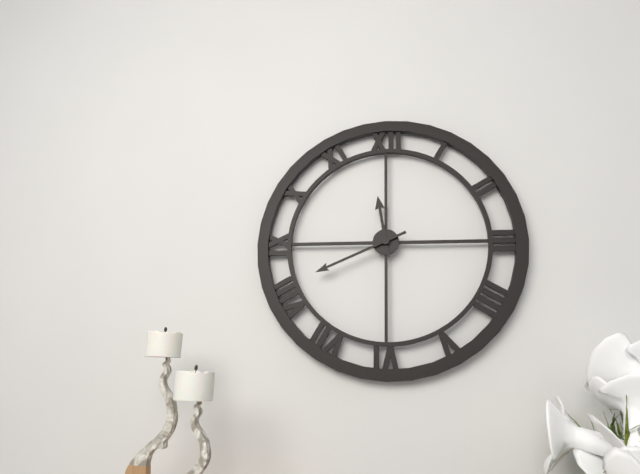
11h41
